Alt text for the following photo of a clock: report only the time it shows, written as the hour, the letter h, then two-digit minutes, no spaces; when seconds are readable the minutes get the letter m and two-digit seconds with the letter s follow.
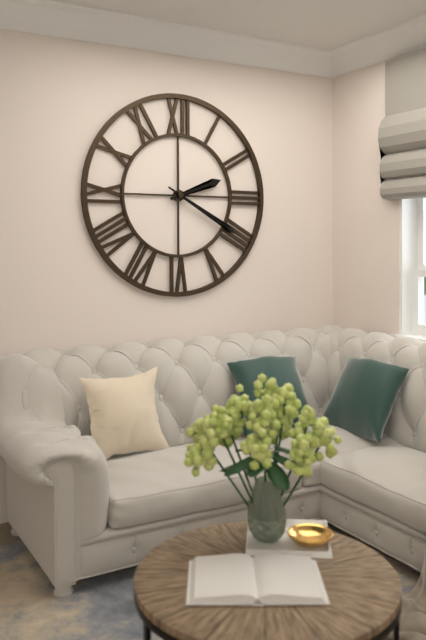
2h20
